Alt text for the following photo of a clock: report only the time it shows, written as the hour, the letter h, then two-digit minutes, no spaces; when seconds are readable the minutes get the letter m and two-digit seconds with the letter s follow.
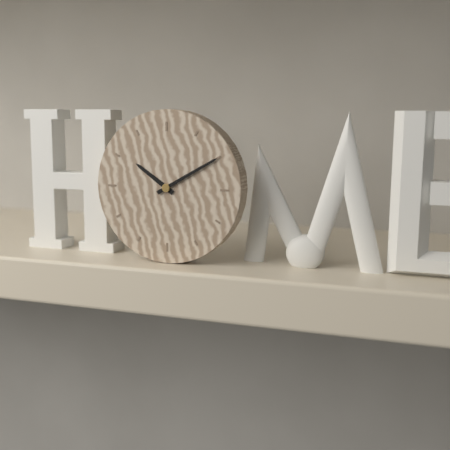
10h10
